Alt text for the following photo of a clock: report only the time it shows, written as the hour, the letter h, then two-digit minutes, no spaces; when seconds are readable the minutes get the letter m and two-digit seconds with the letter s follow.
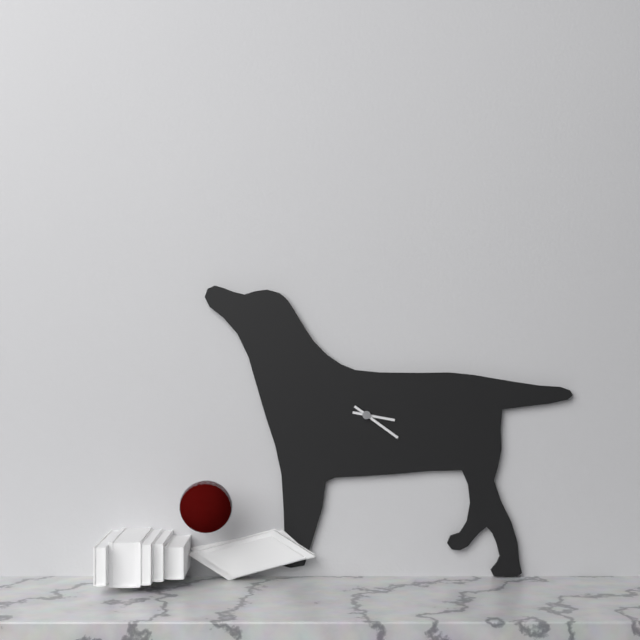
3h21
